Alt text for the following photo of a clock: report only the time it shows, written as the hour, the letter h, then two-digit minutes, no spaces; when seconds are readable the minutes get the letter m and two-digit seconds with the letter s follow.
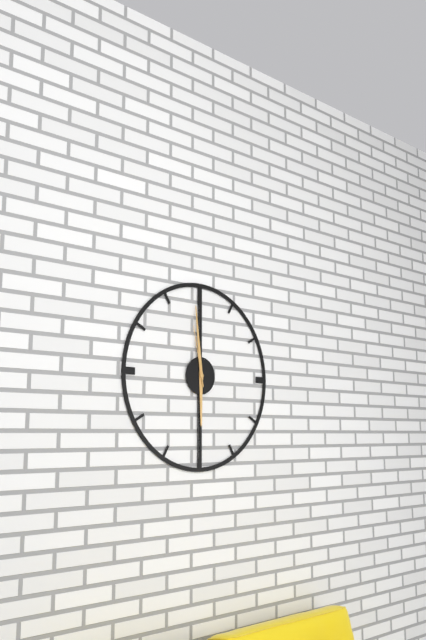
5h59m58s
